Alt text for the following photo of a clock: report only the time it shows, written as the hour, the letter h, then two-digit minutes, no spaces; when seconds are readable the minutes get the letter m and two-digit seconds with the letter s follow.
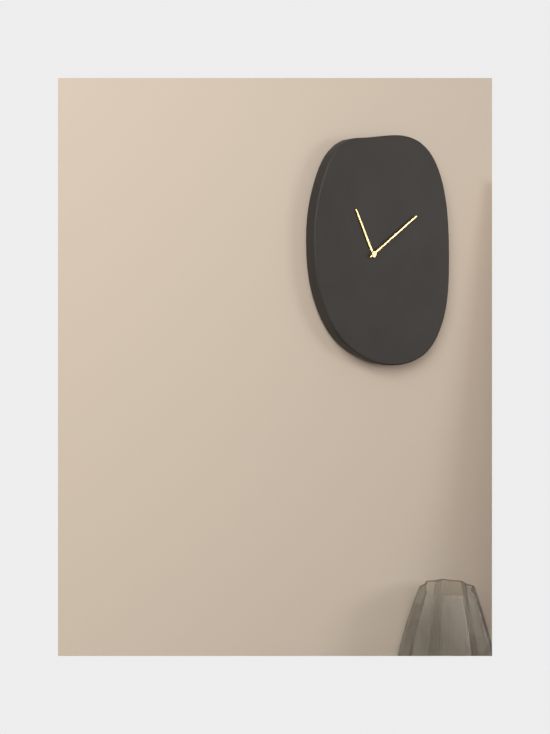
11h09
